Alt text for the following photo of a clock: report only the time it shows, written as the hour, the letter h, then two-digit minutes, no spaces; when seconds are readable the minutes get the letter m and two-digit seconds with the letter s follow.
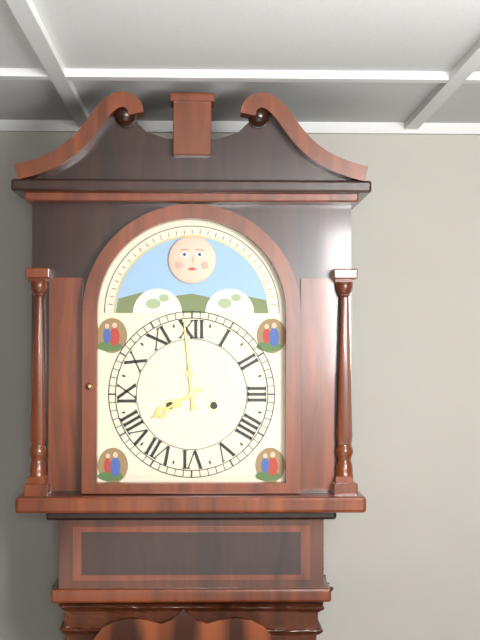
7h59
